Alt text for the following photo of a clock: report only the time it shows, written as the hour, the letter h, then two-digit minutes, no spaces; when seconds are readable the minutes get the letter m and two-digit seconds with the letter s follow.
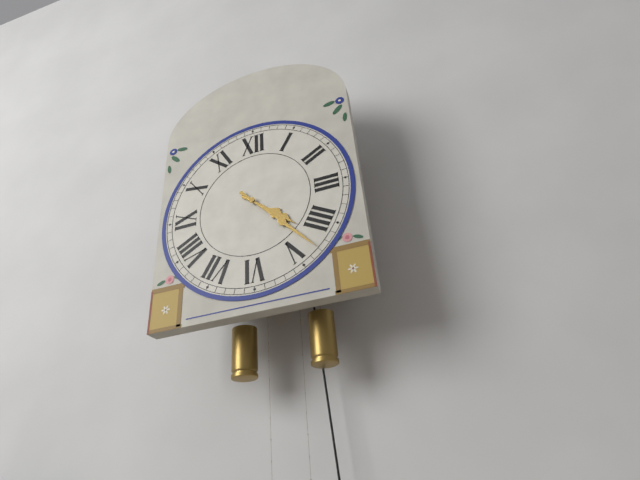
4h23
